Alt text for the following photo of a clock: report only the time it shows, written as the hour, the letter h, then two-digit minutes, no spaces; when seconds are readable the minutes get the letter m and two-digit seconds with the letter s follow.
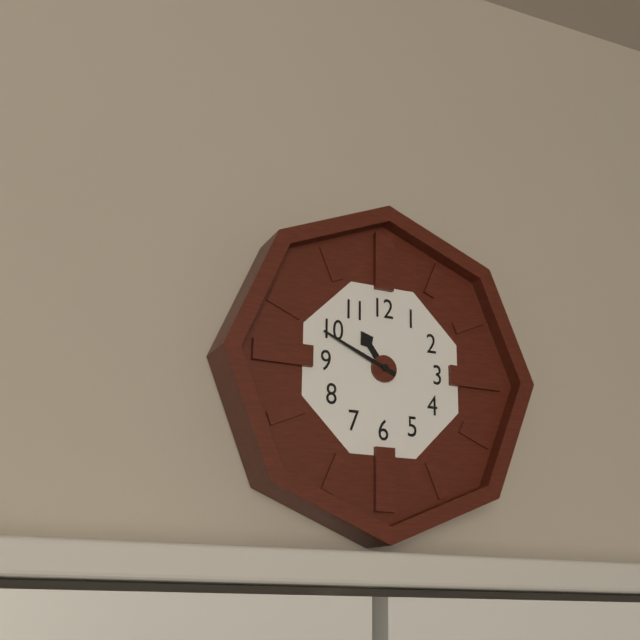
10h49
